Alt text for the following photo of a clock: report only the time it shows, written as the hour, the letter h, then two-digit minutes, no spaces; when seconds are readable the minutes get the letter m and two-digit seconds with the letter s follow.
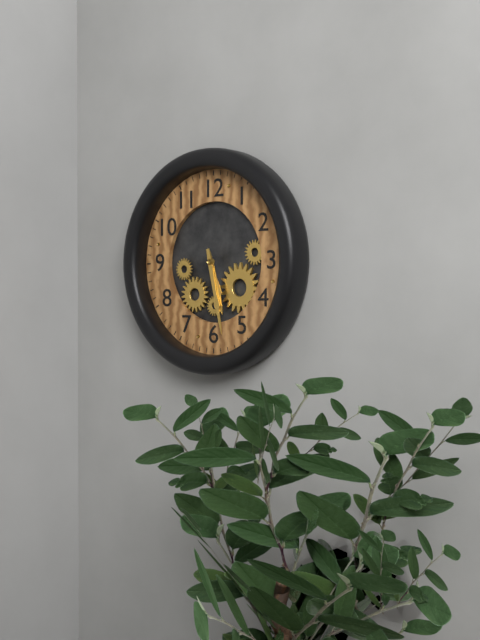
5h28
